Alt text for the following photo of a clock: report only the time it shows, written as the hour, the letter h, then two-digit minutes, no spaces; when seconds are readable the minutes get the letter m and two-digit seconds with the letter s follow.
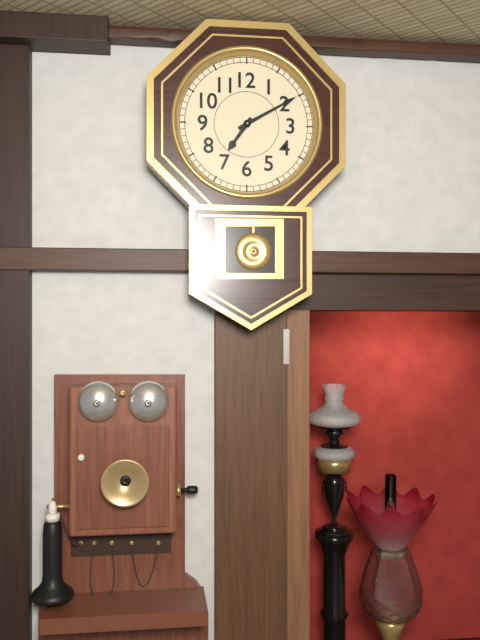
7h10
